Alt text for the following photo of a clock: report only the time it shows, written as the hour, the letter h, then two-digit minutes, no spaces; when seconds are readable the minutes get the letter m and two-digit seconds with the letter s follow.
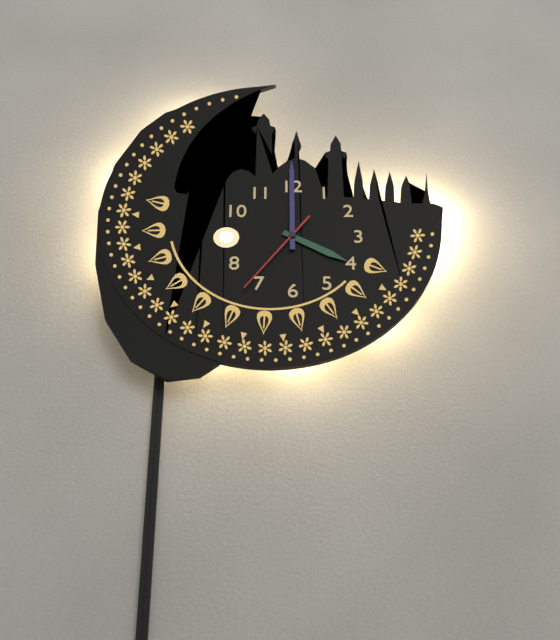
4h00m36s
